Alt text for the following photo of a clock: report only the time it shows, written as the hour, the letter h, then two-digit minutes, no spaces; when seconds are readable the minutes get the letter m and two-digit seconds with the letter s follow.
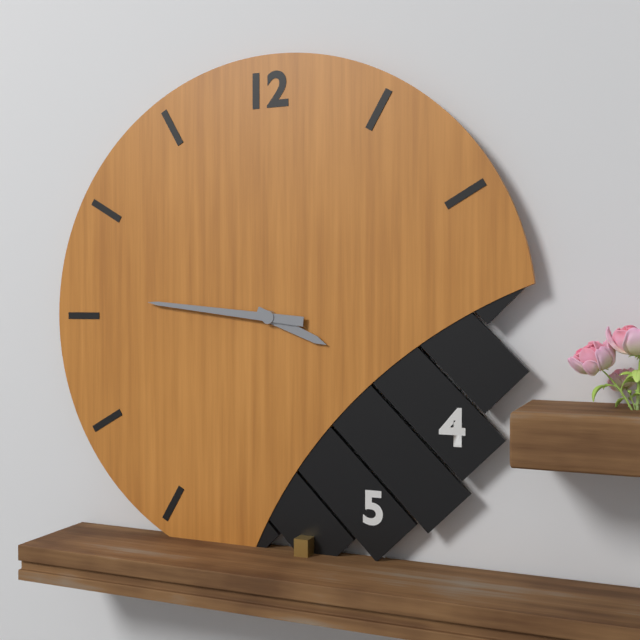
3h46
